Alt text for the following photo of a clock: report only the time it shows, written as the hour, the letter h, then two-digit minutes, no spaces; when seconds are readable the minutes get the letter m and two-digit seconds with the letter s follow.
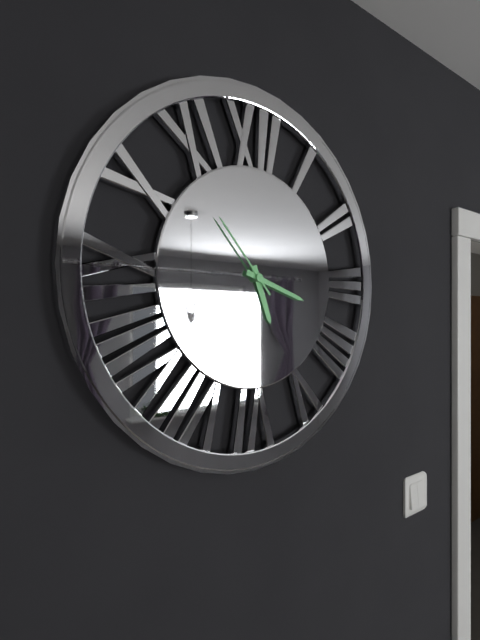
5h18m53s
